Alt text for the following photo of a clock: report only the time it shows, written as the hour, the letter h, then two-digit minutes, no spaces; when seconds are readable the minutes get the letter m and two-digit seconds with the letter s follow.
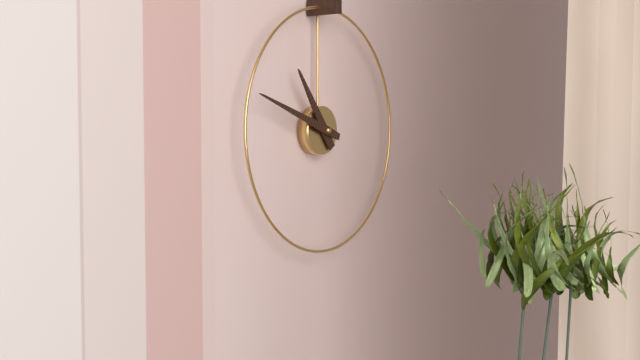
10h48
